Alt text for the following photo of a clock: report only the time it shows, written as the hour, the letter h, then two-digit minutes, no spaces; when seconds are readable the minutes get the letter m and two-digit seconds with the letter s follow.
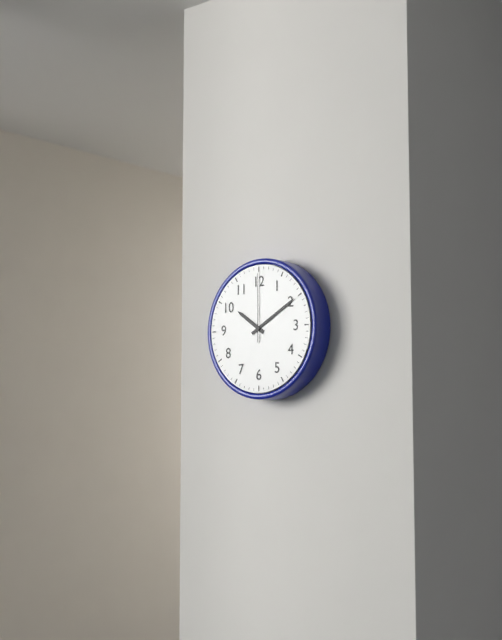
10h10m00s
